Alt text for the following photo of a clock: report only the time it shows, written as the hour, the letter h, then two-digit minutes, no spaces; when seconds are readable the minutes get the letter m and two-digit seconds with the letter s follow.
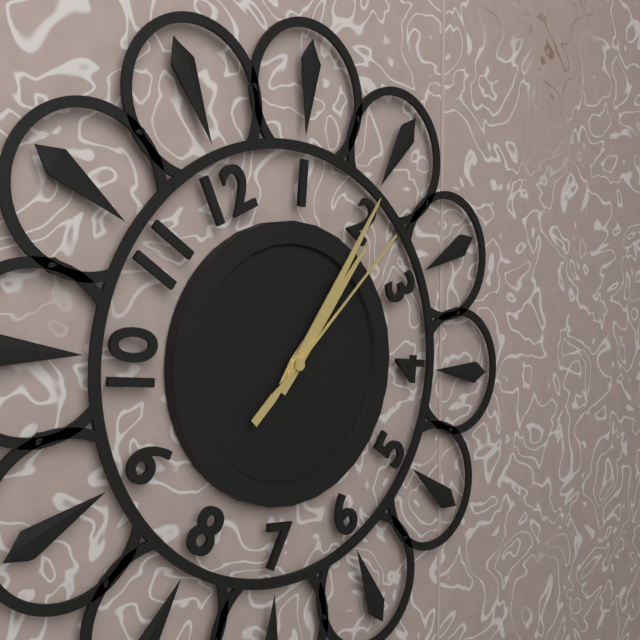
2h10m12s
